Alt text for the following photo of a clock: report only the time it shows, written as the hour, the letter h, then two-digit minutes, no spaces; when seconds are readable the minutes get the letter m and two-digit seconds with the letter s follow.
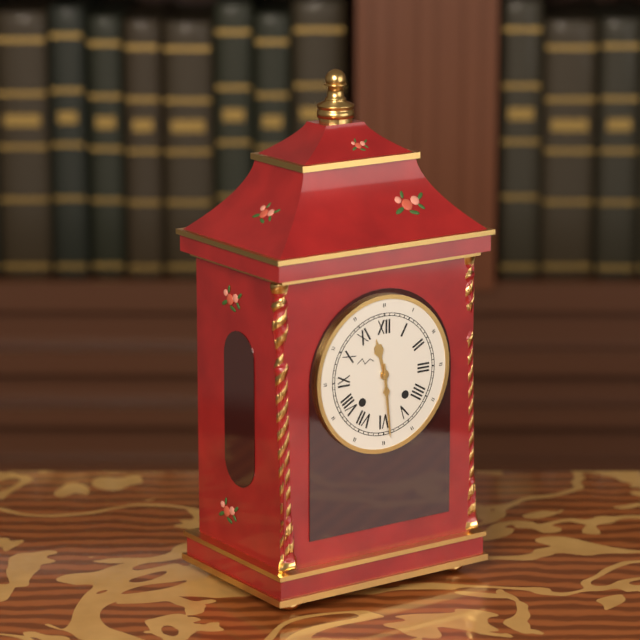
11h29
